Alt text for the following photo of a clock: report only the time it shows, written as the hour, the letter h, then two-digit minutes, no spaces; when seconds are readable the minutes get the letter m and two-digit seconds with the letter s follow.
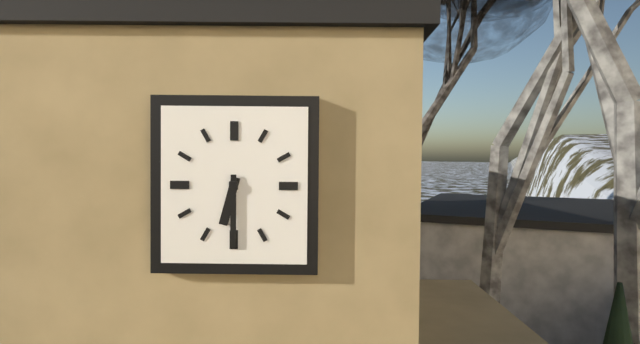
6h30
